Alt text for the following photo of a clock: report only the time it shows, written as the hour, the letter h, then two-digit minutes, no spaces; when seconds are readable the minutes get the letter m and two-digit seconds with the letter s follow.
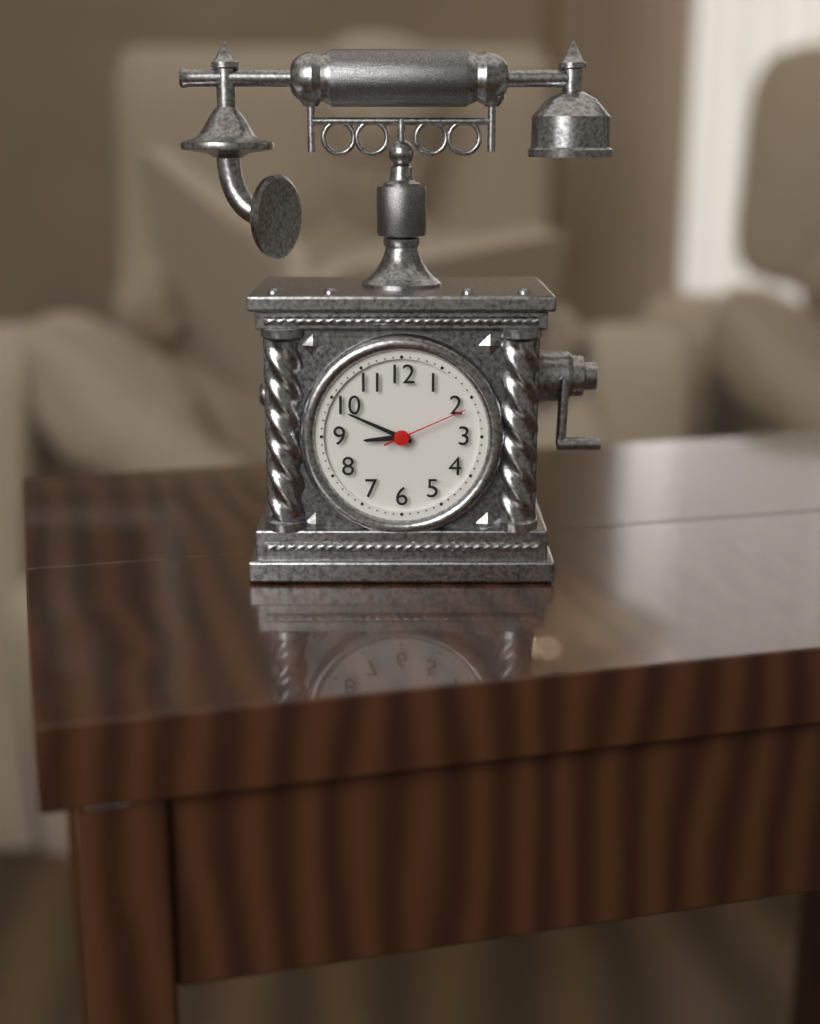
8h49m11s
